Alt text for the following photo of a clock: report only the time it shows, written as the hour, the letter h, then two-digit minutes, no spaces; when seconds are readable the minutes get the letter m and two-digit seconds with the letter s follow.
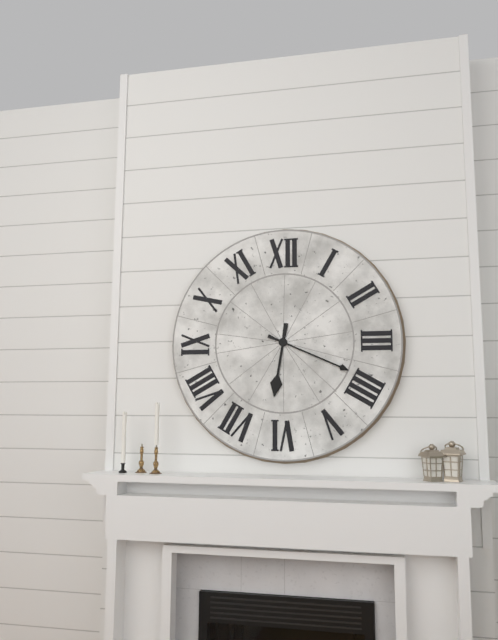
6h19
